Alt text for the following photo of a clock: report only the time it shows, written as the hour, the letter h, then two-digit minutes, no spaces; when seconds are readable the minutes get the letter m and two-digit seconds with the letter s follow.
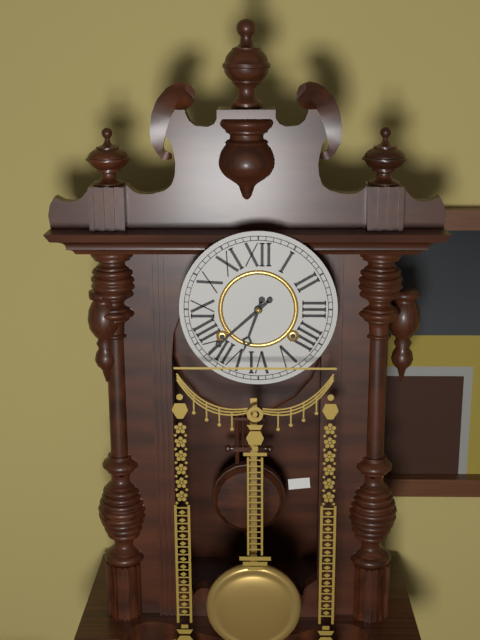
6h38
